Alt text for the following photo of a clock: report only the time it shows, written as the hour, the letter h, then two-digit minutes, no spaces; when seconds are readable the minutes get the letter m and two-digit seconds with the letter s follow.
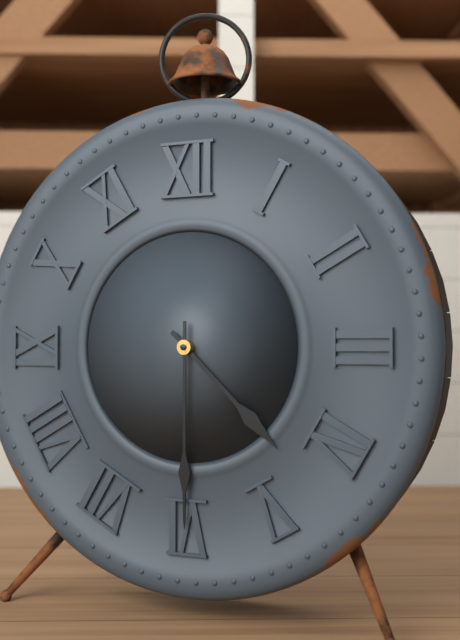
4h30
